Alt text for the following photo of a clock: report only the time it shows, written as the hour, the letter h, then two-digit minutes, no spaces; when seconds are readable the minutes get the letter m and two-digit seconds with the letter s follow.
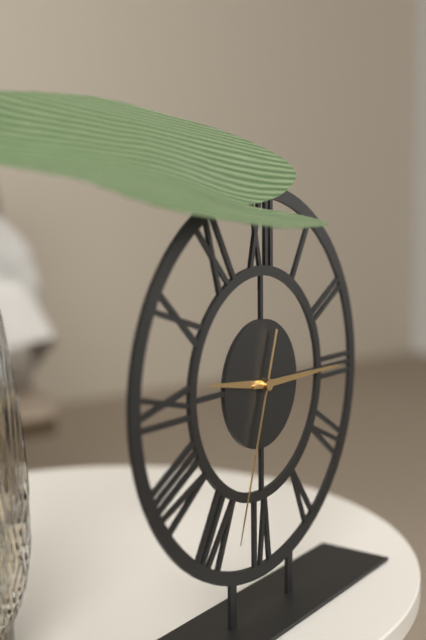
9h15m33s
